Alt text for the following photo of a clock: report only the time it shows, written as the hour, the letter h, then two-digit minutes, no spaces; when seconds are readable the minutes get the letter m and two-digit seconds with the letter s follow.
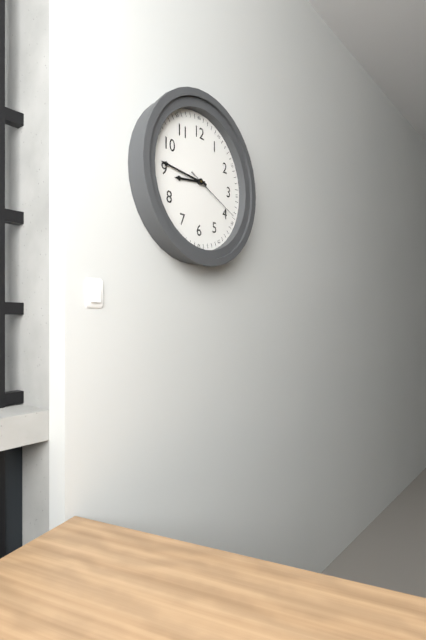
8h46m19s
